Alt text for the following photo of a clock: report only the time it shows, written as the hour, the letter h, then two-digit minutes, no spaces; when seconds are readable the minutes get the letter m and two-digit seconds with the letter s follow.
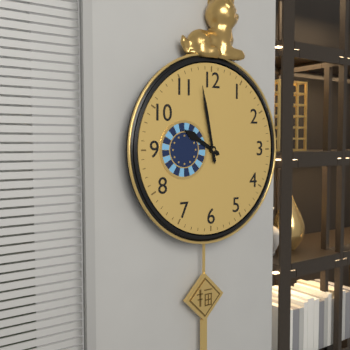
9h58
